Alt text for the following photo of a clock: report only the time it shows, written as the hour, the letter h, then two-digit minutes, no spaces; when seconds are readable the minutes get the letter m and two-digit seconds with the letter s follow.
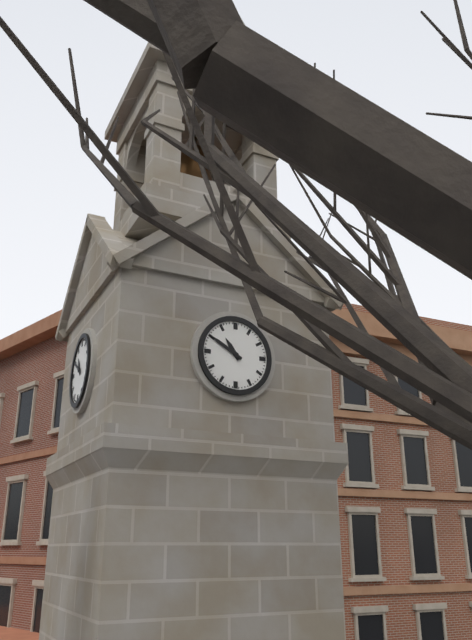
10h50
